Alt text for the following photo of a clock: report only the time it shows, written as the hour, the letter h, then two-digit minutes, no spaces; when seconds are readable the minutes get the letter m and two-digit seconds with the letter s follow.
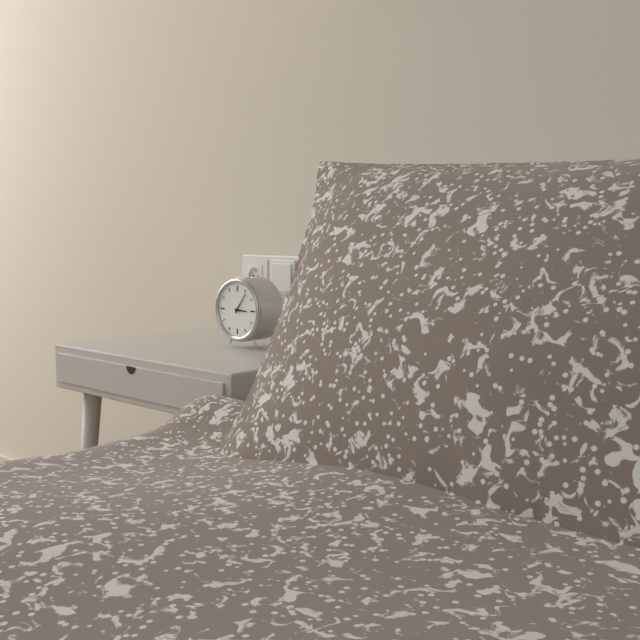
3h06
